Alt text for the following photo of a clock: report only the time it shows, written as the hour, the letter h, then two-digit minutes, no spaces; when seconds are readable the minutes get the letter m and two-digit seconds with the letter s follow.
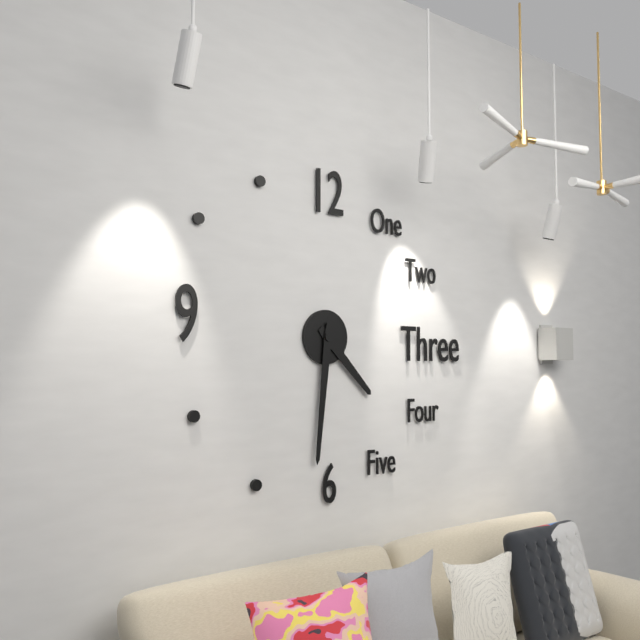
4h31
